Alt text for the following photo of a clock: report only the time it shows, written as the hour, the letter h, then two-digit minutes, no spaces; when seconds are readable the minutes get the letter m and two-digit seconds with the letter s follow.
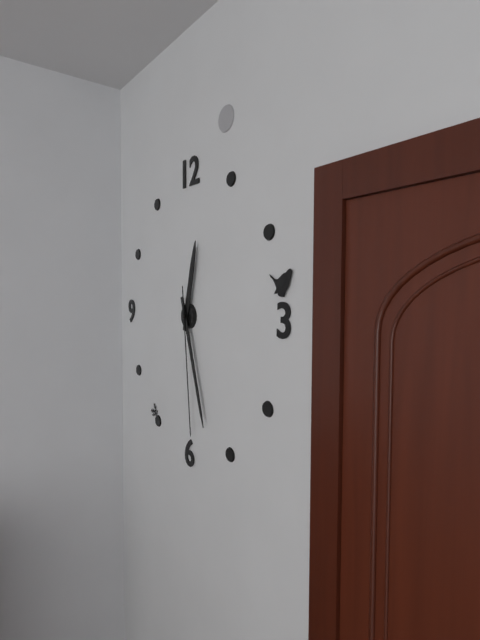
12h27m29s
